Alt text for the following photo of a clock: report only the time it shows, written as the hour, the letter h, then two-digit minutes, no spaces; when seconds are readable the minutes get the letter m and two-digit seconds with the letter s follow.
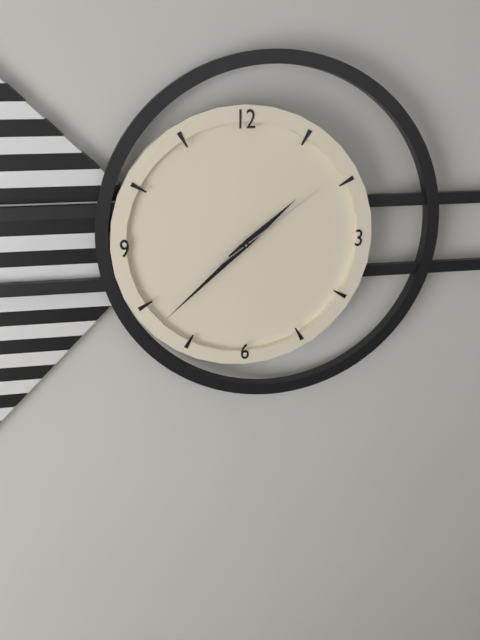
1h38m09s
